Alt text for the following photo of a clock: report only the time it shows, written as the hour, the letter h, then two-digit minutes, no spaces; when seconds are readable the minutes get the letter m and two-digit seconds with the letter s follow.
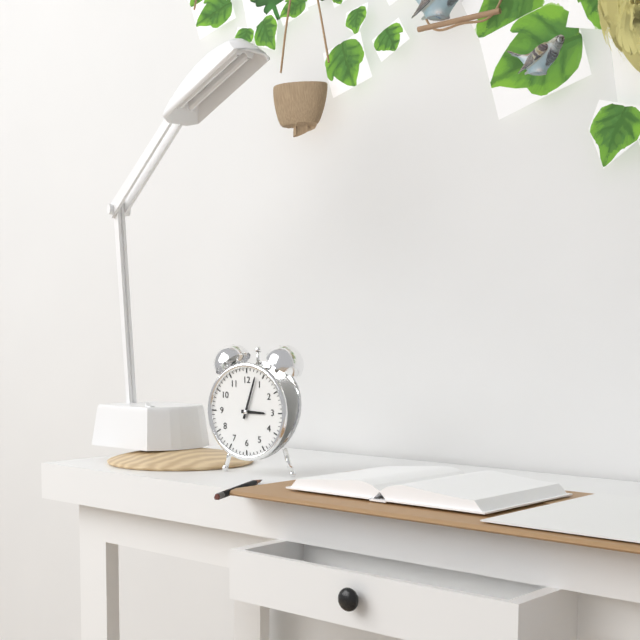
3h03
